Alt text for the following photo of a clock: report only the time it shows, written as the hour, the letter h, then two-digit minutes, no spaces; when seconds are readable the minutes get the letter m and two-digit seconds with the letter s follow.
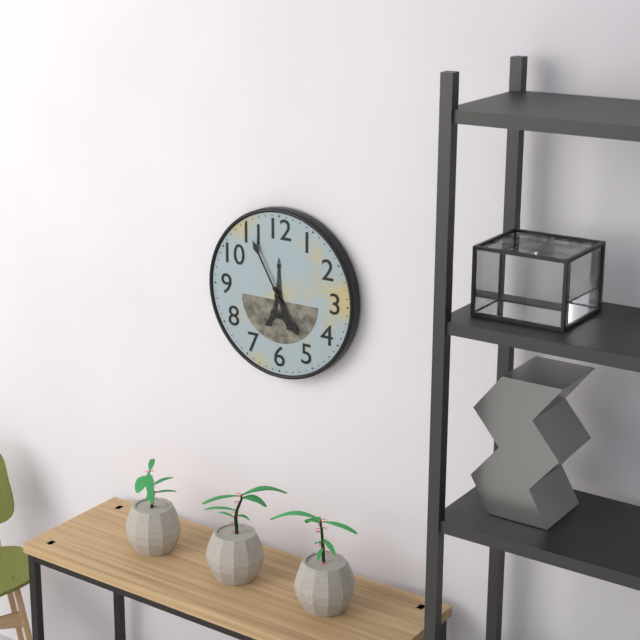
4h55
